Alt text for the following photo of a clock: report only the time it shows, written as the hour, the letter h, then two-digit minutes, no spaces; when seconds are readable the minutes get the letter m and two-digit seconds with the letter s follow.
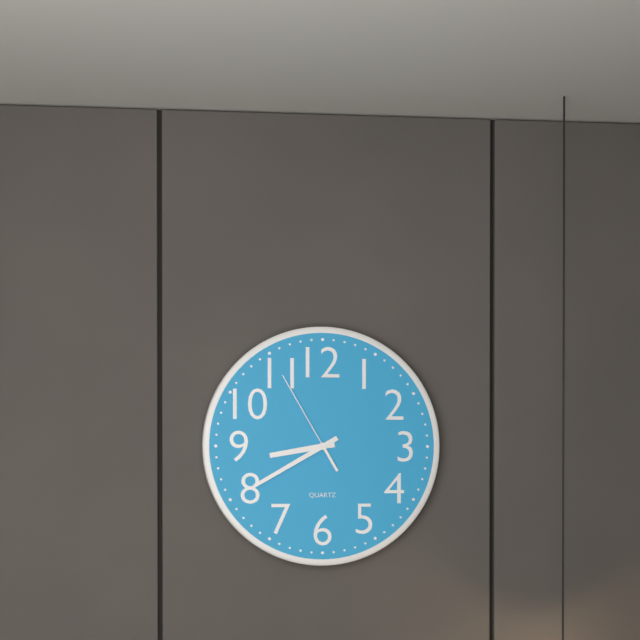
8h40m55s
